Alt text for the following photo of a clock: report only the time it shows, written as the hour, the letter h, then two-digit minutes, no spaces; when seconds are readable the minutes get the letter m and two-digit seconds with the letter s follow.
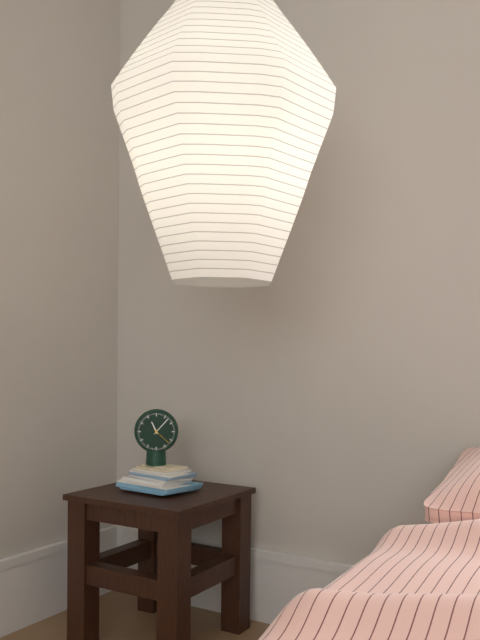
11h07
